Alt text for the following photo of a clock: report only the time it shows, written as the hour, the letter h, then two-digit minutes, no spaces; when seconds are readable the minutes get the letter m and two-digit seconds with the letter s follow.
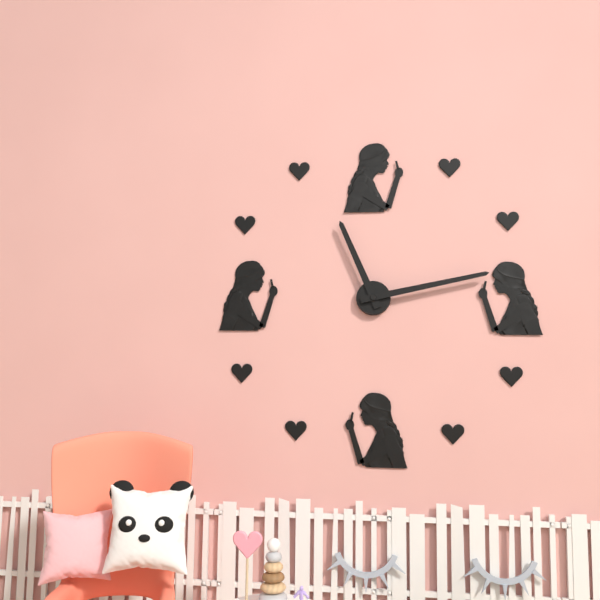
11h13
